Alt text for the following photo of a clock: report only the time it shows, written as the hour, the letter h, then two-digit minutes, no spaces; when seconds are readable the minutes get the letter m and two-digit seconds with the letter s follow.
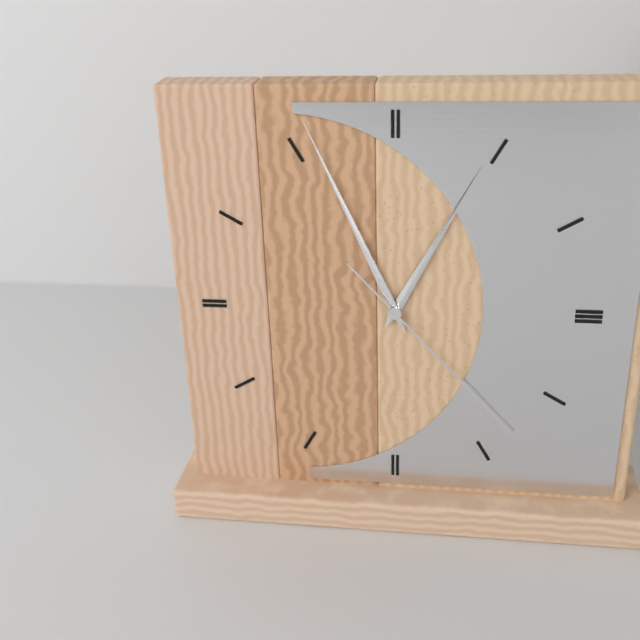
12h56m23s
